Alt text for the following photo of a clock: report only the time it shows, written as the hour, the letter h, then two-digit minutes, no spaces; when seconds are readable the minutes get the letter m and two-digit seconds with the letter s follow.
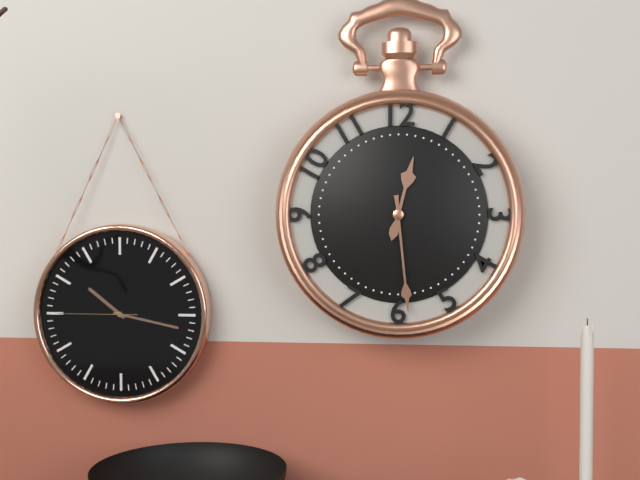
12h29
